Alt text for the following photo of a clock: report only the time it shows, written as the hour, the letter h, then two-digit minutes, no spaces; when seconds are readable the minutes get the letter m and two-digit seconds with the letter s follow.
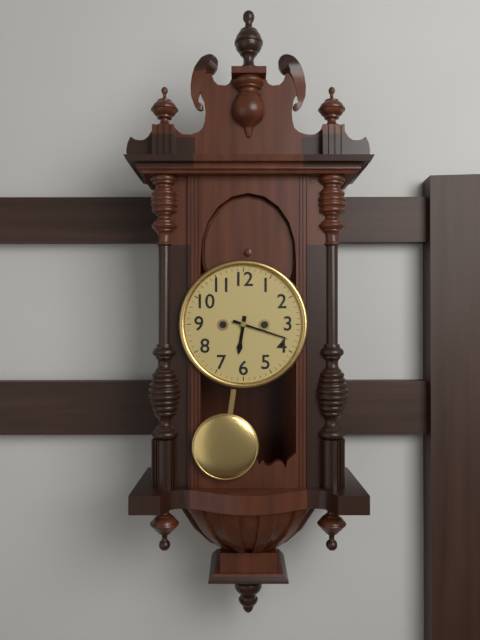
6h18
